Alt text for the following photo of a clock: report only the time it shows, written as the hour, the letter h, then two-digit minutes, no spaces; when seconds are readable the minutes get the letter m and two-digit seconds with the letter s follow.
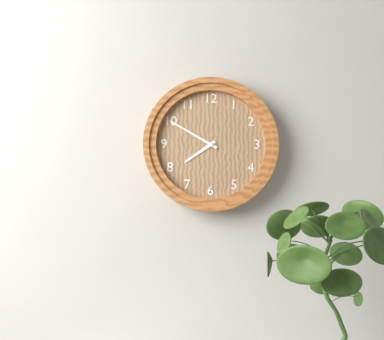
7h50
